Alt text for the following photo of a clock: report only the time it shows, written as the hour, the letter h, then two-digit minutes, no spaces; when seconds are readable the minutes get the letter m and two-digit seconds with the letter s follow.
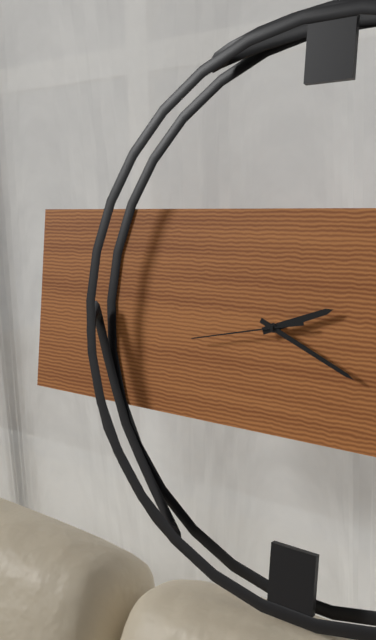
2h19m43s
